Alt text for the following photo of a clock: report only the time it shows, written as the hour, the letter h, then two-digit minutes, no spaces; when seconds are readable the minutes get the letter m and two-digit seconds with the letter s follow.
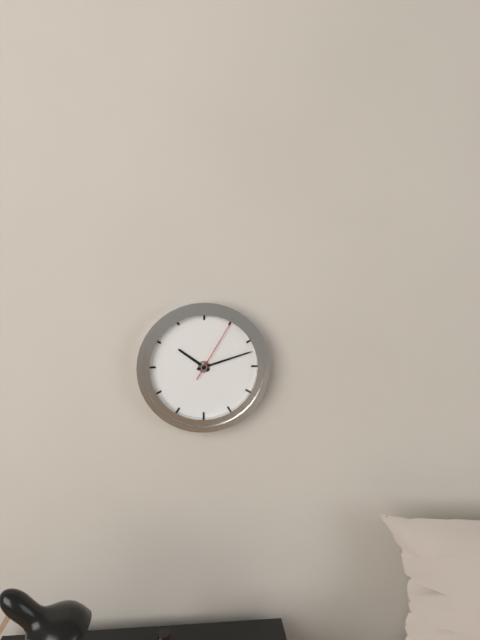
10h12m05s
